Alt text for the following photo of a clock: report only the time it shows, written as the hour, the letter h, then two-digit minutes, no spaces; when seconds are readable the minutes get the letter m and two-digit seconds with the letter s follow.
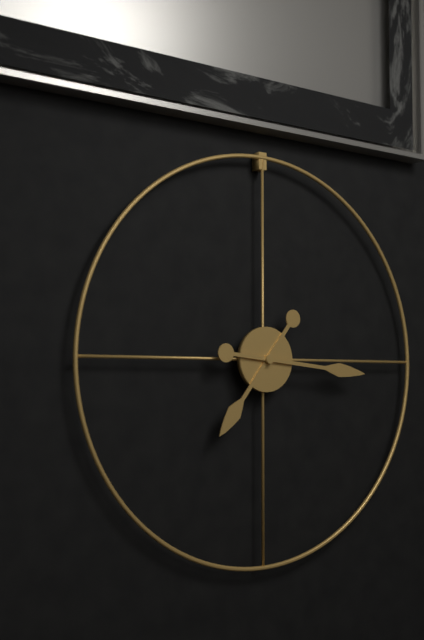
7h16
